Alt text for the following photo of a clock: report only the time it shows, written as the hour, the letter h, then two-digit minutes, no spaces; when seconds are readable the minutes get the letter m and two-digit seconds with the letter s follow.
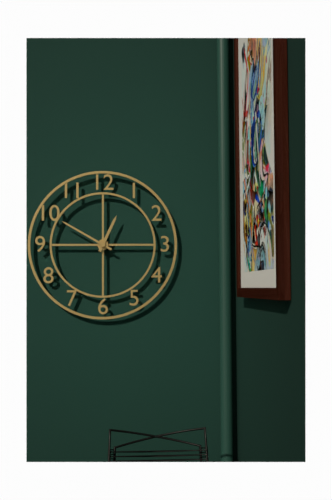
12h50
